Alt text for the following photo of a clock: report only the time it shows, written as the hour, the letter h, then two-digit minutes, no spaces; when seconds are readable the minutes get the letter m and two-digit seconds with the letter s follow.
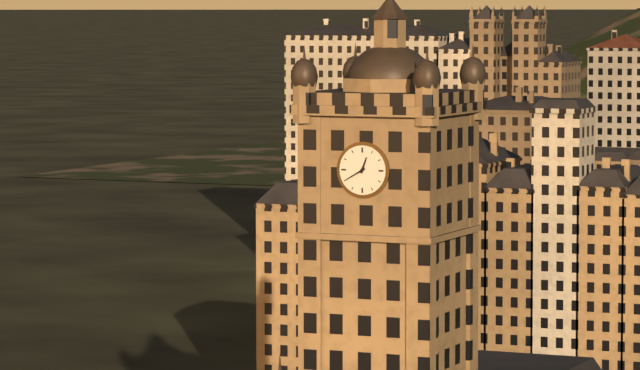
12h40
